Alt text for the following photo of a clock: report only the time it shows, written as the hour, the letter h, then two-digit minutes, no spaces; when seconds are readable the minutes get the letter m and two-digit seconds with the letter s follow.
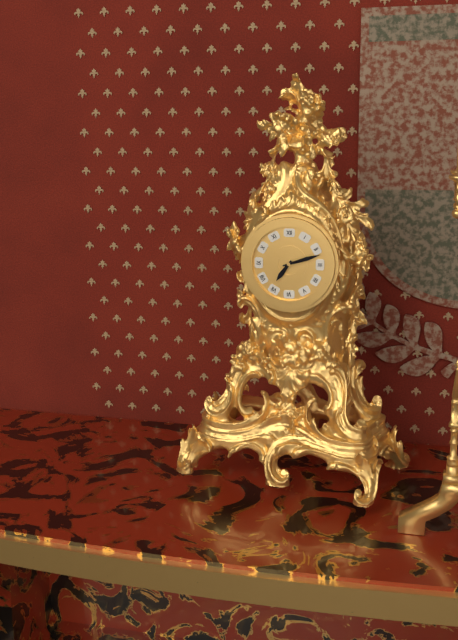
7h12
